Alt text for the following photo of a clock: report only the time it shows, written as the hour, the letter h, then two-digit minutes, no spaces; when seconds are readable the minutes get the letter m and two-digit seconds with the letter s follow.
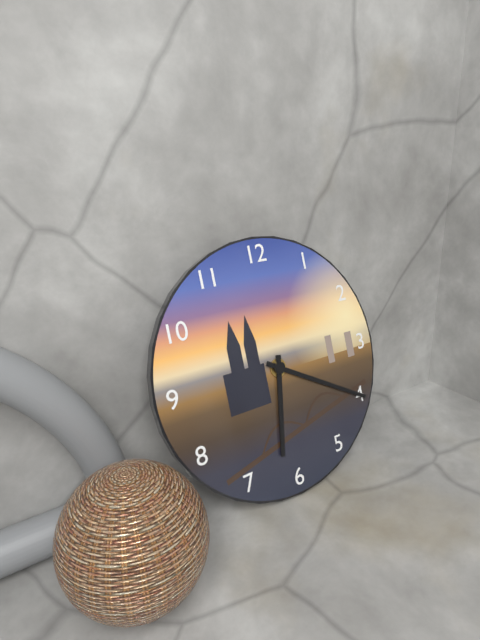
6h20
